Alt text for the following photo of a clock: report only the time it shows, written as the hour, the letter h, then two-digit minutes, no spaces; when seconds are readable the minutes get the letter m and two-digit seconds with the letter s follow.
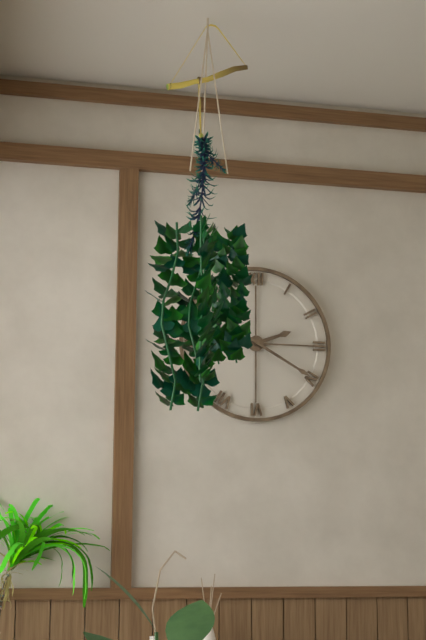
2h20
